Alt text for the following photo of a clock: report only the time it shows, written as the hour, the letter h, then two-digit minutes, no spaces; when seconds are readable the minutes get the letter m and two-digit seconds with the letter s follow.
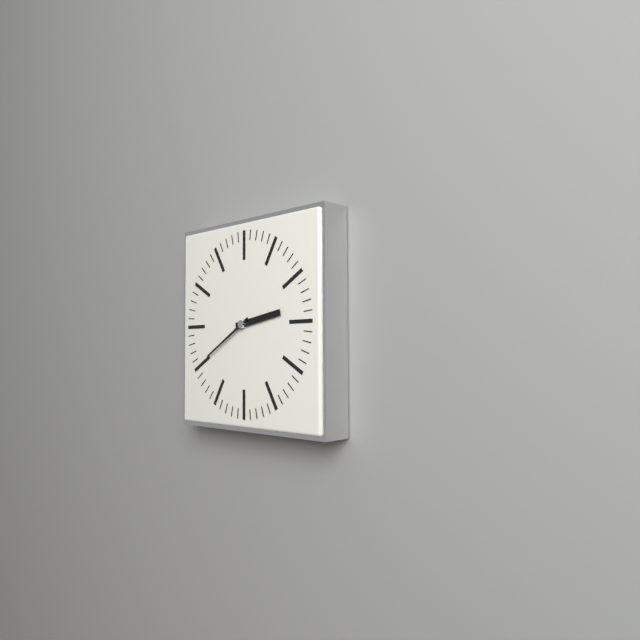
2h40
